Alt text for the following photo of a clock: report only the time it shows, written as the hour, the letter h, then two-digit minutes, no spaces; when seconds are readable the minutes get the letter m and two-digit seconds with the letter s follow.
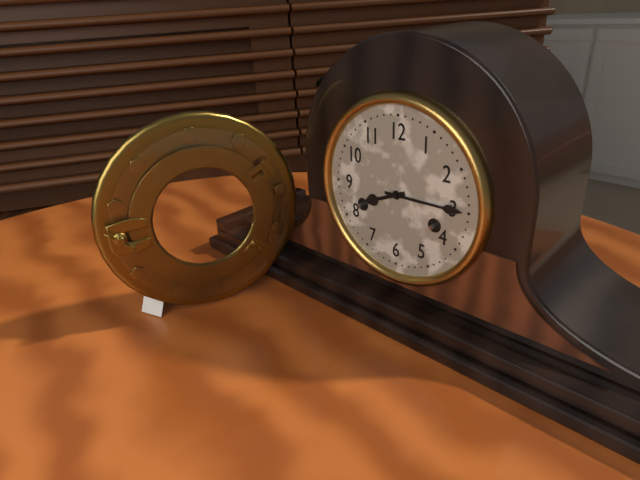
8h15
